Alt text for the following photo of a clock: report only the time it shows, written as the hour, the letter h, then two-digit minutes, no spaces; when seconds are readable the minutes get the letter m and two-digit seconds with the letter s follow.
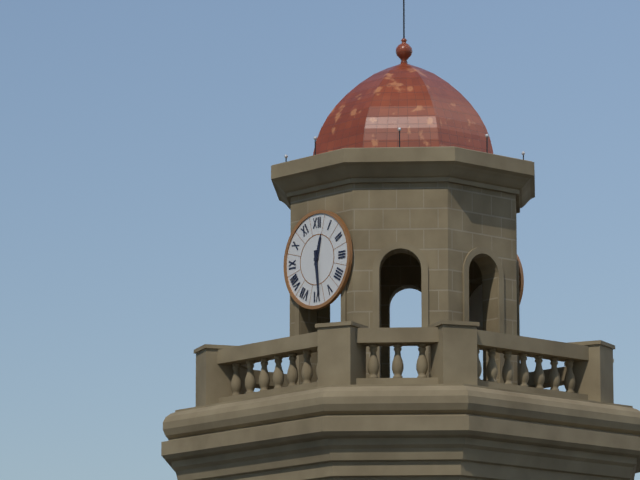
12h29
